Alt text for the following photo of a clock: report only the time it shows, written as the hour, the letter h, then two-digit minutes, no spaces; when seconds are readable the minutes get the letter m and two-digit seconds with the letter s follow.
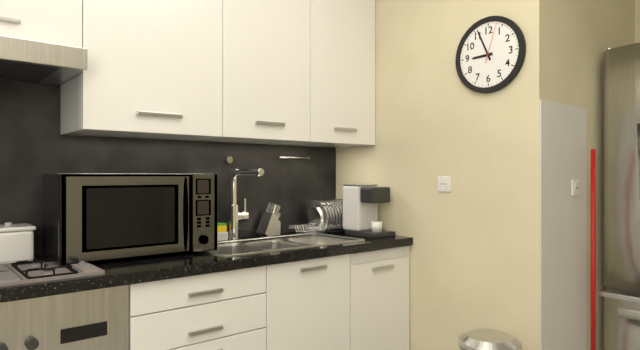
8h56
